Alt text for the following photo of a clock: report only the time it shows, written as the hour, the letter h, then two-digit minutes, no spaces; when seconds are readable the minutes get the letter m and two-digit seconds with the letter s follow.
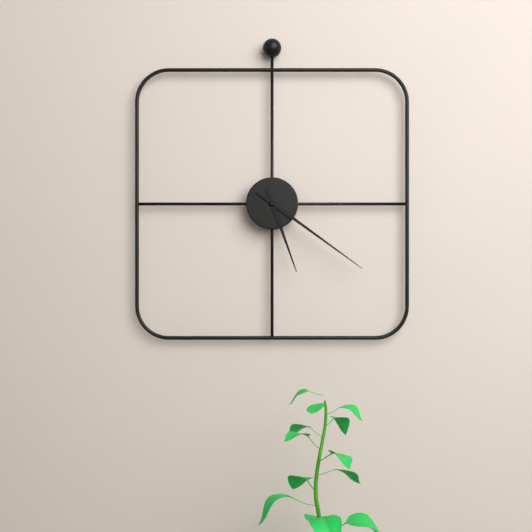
5h21
